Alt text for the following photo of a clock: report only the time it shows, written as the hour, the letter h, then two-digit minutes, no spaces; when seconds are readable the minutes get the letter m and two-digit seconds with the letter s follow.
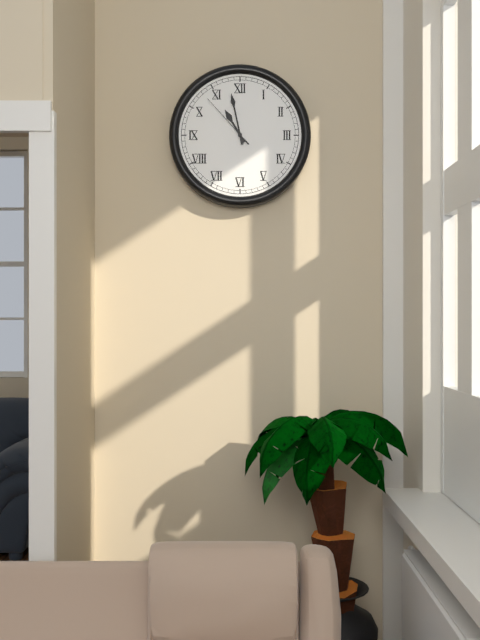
10h58m53s
